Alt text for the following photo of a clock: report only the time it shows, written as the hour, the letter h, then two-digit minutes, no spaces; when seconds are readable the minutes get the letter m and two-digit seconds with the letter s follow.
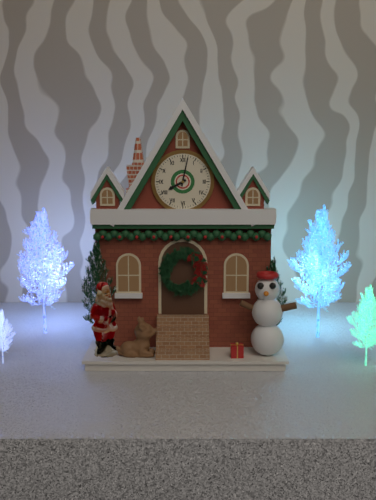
8h02
